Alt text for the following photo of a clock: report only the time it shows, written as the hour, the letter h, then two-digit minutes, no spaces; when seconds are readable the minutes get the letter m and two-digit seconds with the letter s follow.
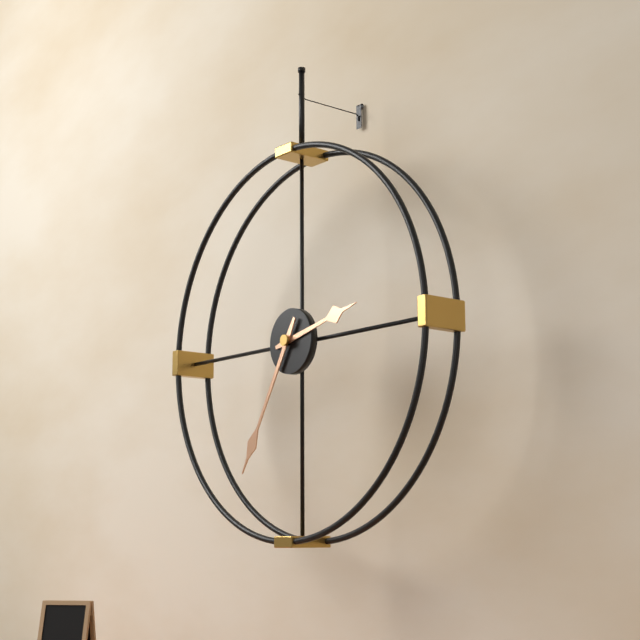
2h35
